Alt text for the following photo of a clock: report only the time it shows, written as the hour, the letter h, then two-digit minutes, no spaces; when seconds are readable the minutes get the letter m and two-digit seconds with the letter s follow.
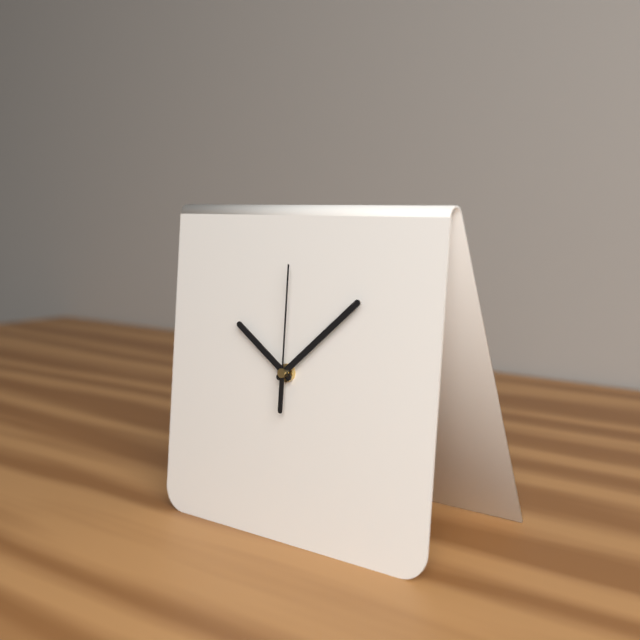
10h08m00s
